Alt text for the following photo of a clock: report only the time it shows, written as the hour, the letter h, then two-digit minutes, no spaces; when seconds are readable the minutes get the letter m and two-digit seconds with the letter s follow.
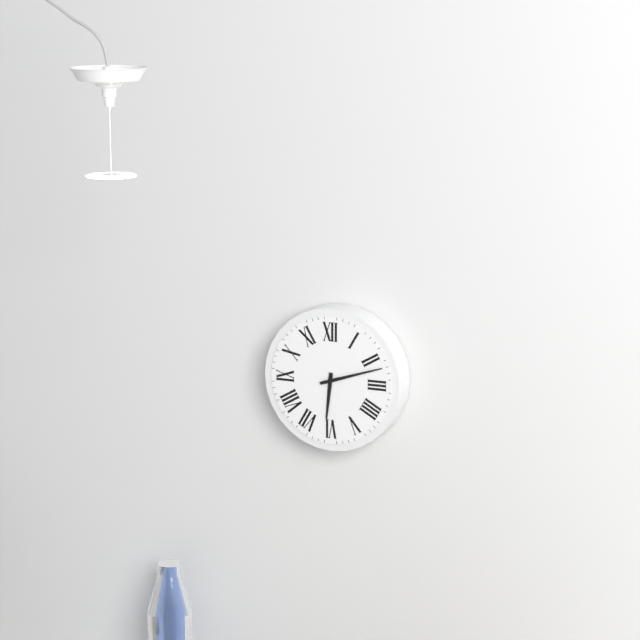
6h12
